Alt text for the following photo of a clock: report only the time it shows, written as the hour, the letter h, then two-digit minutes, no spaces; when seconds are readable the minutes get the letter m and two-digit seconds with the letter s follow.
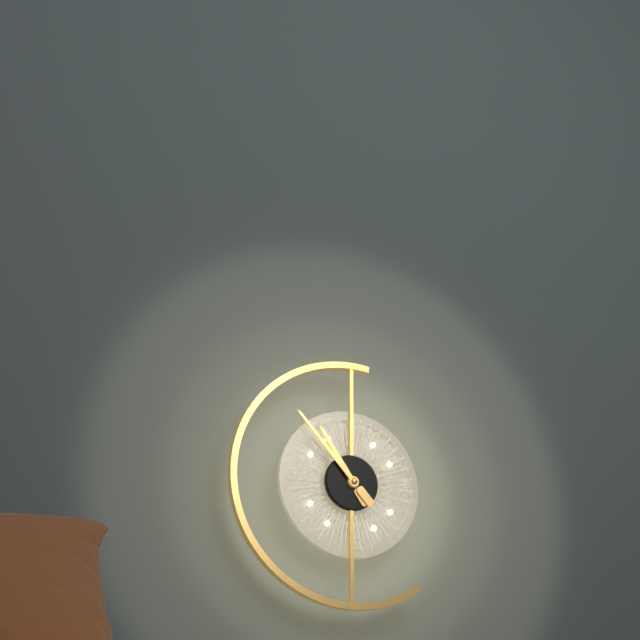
10h53
